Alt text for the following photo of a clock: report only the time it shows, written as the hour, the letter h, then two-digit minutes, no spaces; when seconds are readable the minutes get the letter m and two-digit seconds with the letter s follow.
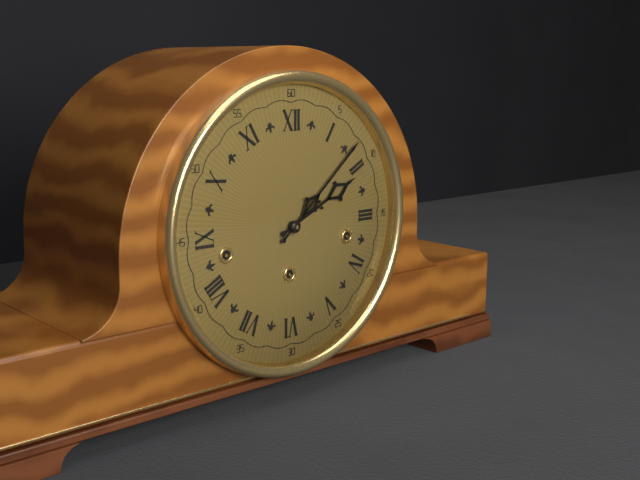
2h08
